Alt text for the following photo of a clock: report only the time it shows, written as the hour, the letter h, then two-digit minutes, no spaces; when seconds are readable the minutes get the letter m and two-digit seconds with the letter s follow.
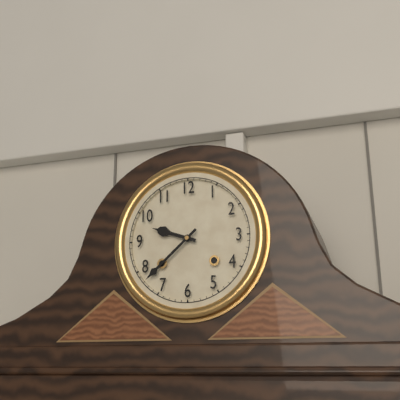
9h38
